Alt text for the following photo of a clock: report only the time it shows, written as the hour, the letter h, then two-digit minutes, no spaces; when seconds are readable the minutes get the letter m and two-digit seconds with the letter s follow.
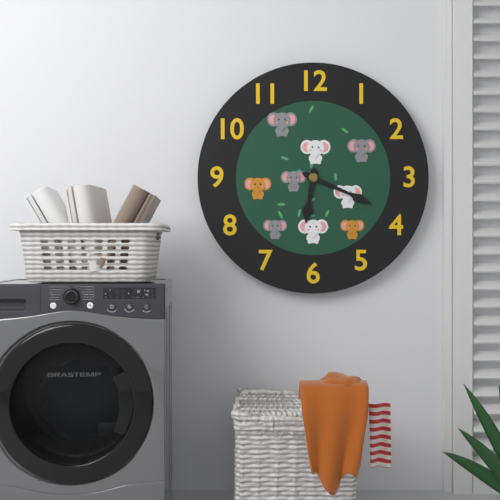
6h19
